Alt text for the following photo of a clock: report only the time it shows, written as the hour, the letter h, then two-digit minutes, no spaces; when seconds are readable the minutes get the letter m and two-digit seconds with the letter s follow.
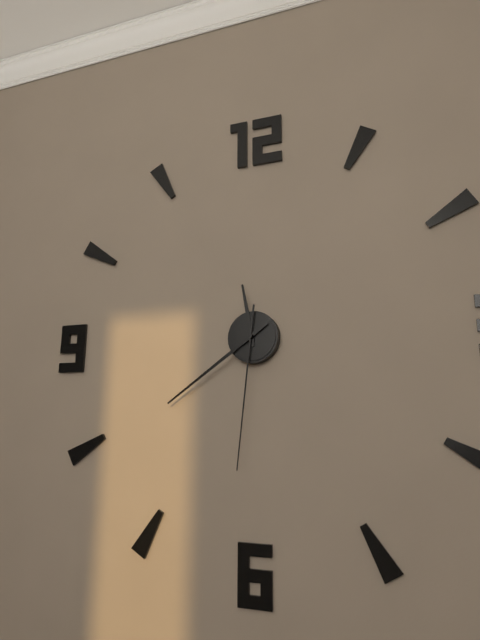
11h39m31s
